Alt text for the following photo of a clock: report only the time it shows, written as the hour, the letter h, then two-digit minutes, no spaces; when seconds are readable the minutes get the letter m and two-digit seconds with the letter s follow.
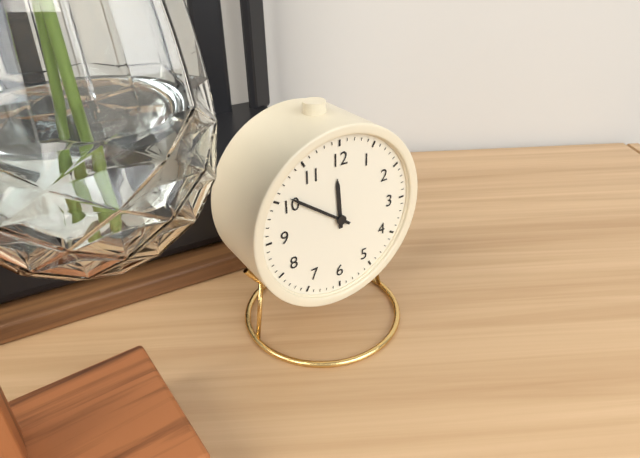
11h51
